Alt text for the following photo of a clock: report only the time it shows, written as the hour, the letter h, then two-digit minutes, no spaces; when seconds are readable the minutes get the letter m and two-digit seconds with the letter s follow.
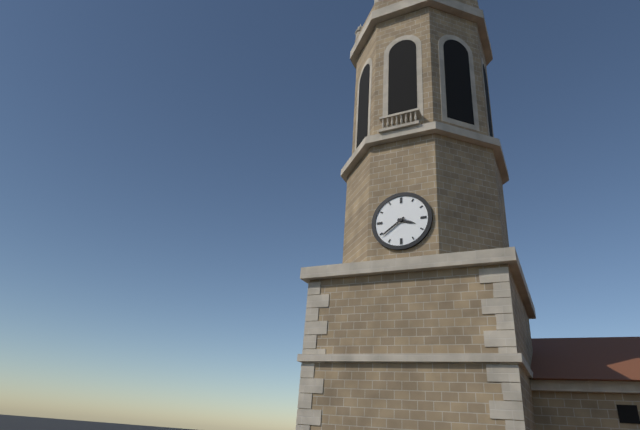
3h39
